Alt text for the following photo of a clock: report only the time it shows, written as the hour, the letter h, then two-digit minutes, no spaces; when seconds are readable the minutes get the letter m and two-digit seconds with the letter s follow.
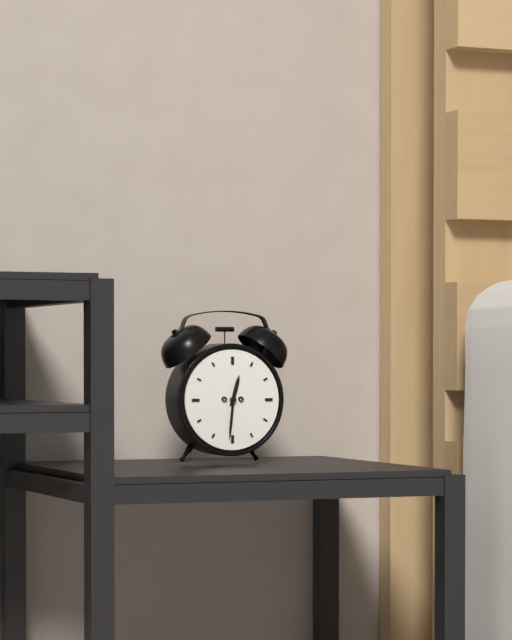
12h31
